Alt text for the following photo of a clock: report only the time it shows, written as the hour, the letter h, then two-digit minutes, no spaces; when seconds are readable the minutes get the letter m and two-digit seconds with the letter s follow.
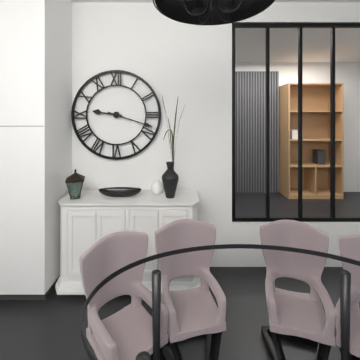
9h18
